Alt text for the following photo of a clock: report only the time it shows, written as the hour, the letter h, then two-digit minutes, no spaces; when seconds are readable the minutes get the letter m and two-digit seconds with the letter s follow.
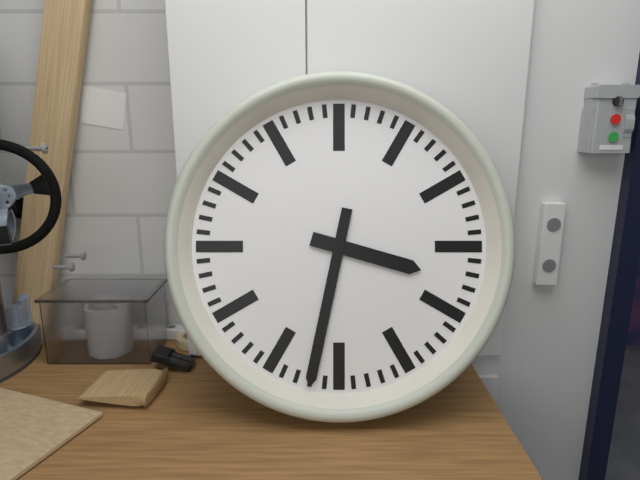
3h32
